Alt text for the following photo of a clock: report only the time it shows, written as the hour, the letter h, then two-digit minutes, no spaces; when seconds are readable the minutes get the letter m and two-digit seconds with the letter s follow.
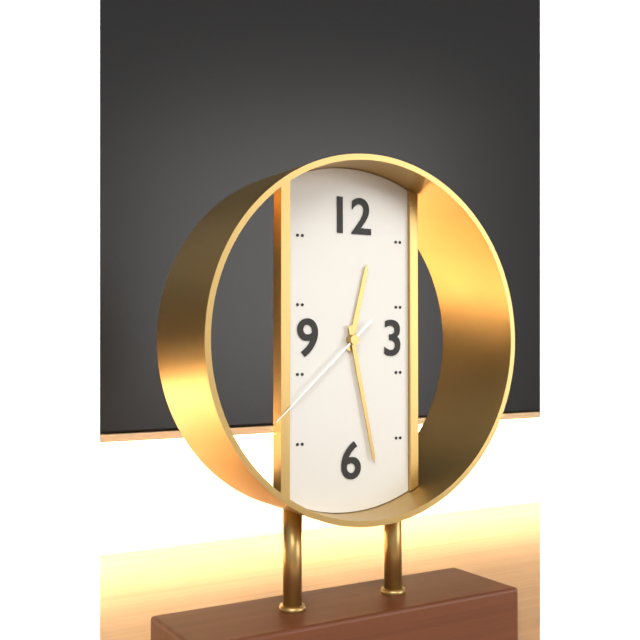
12h28m38s
